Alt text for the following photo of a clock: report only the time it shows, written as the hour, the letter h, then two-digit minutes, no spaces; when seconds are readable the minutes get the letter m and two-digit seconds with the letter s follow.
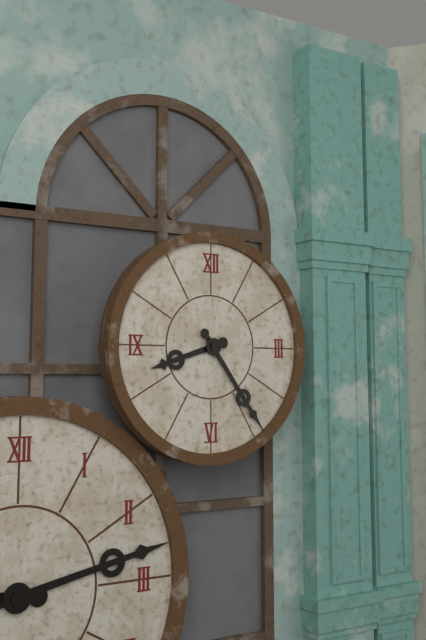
8h24
